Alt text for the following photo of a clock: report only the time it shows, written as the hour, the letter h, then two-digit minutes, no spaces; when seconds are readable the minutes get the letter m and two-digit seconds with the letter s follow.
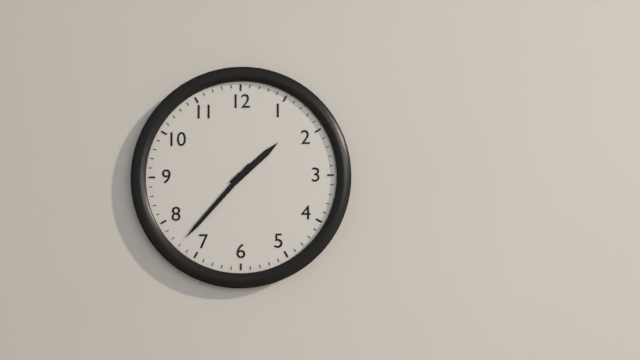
1h37
